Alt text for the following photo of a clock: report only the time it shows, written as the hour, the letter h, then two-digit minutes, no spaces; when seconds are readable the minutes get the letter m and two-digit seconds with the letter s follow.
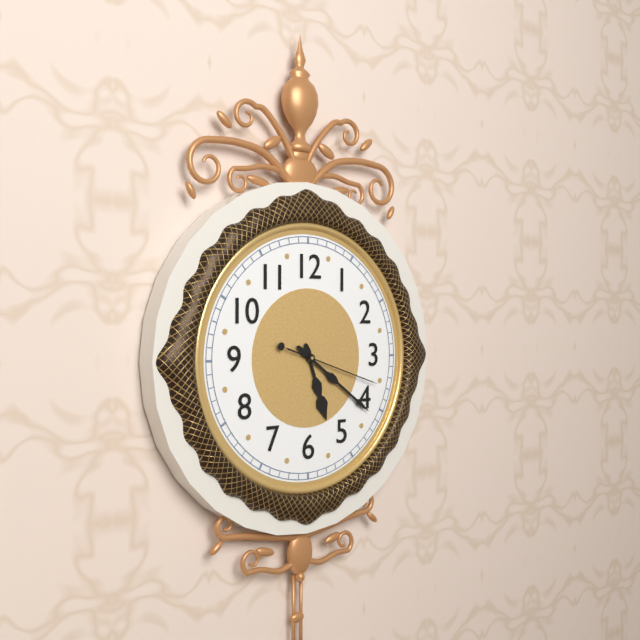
5h21m18s
